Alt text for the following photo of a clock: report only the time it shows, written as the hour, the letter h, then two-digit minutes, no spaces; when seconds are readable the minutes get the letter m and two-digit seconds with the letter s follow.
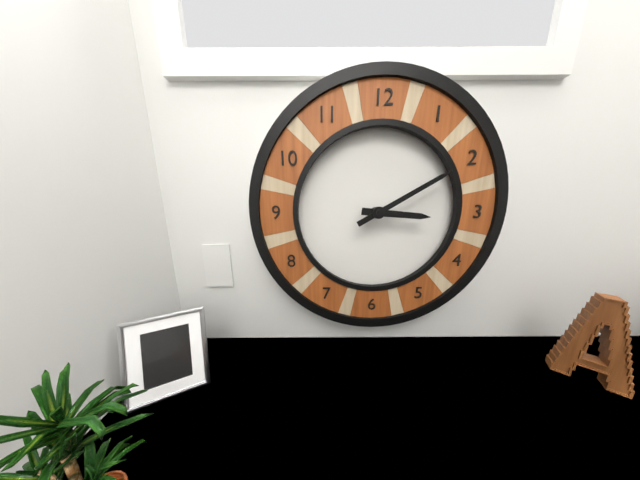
3h10
